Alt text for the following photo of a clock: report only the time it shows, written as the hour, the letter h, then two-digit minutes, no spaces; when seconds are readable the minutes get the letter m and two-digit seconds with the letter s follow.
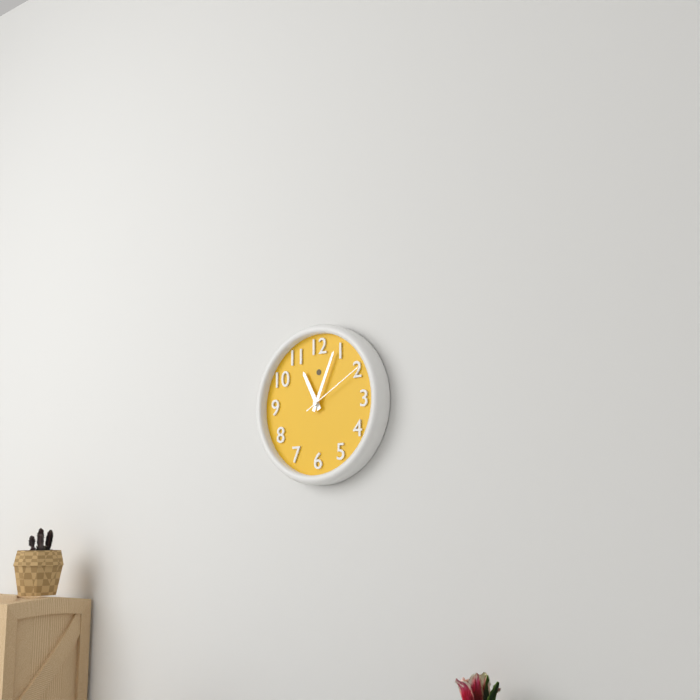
11h04m10s
